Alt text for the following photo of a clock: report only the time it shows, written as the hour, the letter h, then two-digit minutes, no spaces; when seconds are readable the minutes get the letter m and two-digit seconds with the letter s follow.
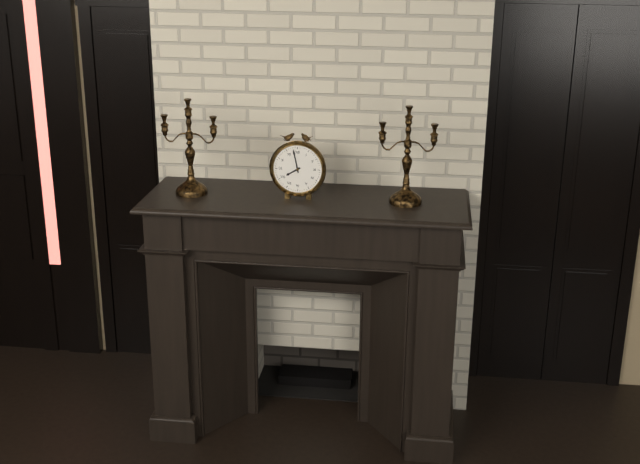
7h58
